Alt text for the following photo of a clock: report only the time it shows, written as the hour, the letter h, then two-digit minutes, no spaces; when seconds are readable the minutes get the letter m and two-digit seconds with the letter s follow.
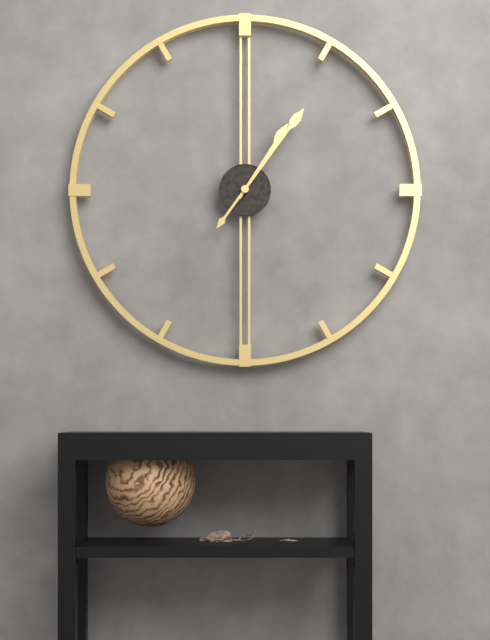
1h06
